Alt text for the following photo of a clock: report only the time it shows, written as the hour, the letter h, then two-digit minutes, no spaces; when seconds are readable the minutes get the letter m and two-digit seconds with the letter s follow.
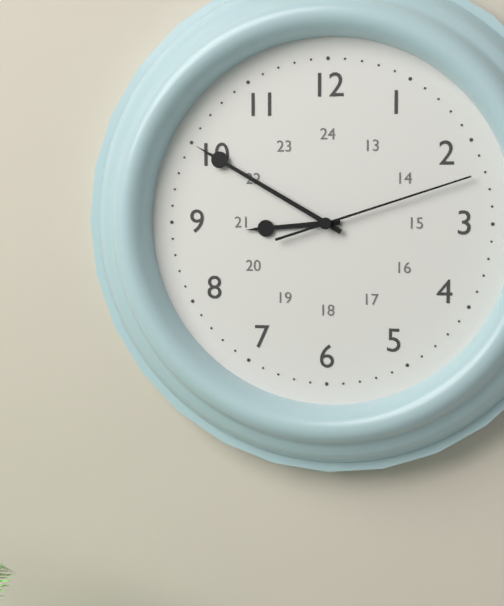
8h50m12s
